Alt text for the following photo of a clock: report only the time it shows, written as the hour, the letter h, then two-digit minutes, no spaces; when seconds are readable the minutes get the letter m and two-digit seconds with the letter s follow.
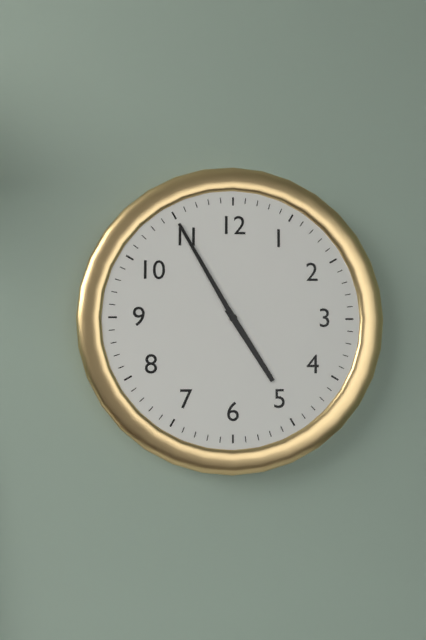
4h55
